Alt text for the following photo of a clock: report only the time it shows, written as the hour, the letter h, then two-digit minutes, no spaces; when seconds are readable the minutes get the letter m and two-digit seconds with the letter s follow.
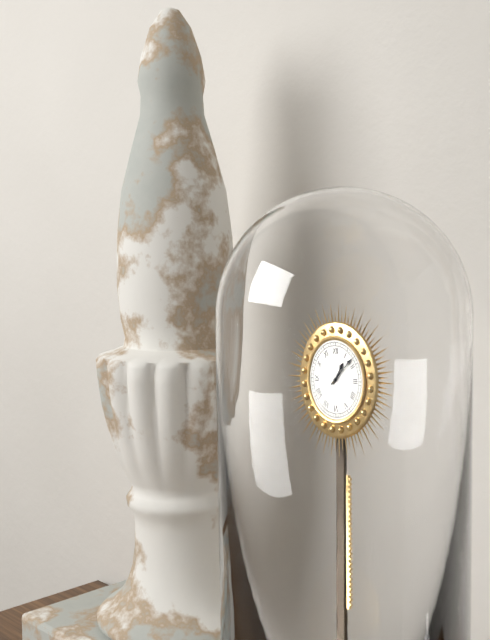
1h08
